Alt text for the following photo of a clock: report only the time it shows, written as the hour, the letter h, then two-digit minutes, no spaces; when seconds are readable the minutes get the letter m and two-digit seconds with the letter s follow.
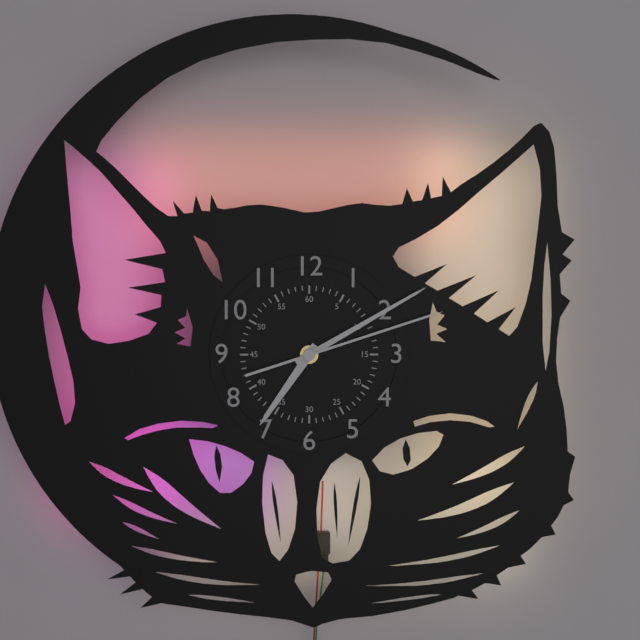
7h10m12s
